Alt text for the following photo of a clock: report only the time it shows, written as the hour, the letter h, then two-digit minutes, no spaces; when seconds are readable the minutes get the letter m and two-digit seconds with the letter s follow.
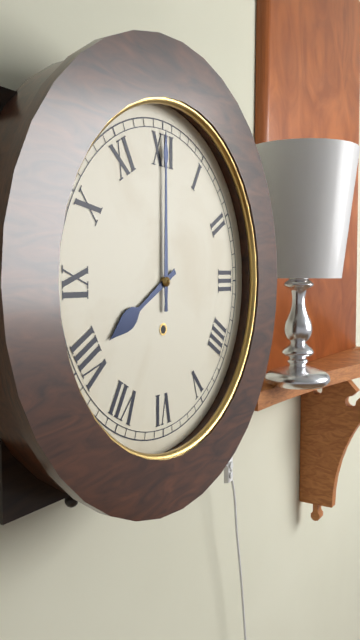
8h00
